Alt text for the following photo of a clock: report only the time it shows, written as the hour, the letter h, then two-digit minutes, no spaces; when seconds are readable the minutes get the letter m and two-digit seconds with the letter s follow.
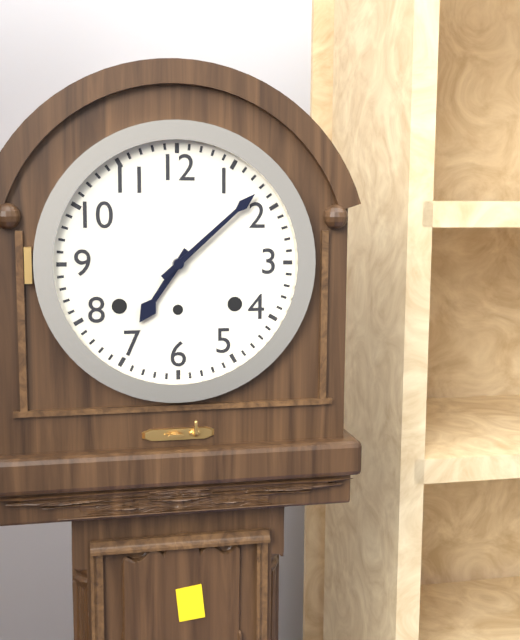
7h08
